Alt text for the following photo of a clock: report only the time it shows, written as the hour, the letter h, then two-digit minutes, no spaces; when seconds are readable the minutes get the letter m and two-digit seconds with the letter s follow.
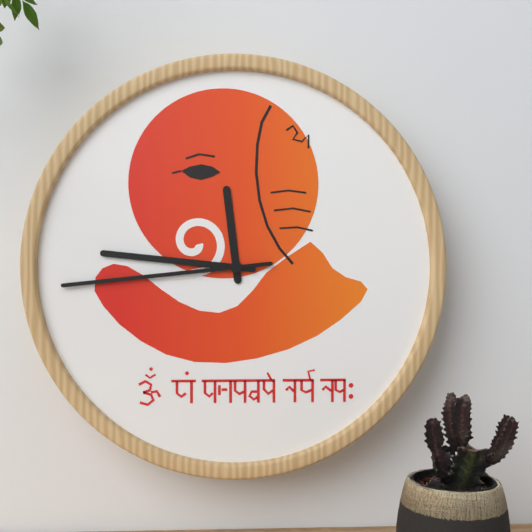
11h46m44s
